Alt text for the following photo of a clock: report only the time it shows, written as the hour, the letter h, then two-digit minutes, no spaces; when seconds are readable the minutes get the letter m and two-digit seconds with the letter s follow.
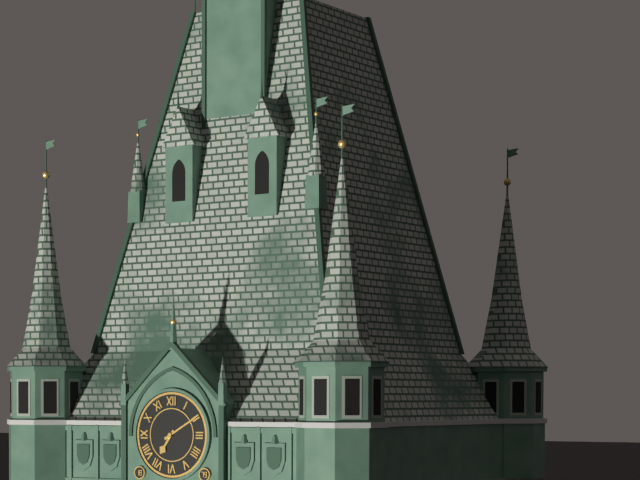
7h10
